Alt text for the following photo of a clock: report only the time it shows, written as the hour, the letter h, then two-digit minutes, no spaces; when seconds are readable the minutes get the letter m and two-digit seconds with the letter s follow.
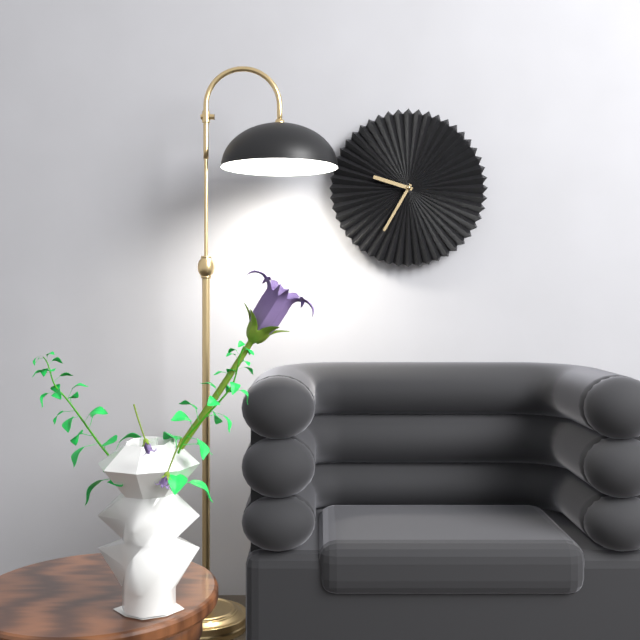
9h35
